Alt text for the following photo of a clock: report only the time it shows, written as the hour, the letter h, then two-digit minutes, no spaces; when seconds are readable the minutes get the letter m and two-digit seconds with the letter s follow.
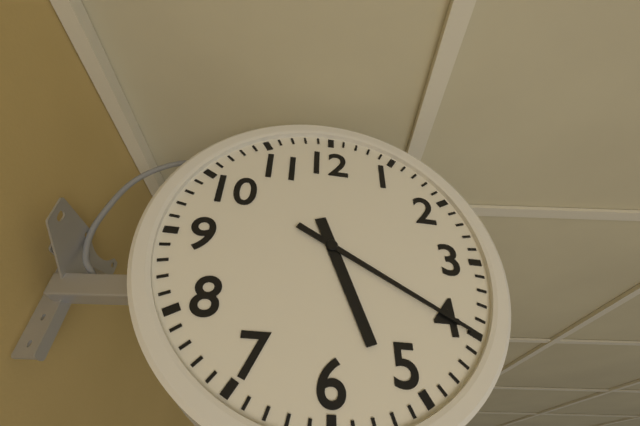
5h20
